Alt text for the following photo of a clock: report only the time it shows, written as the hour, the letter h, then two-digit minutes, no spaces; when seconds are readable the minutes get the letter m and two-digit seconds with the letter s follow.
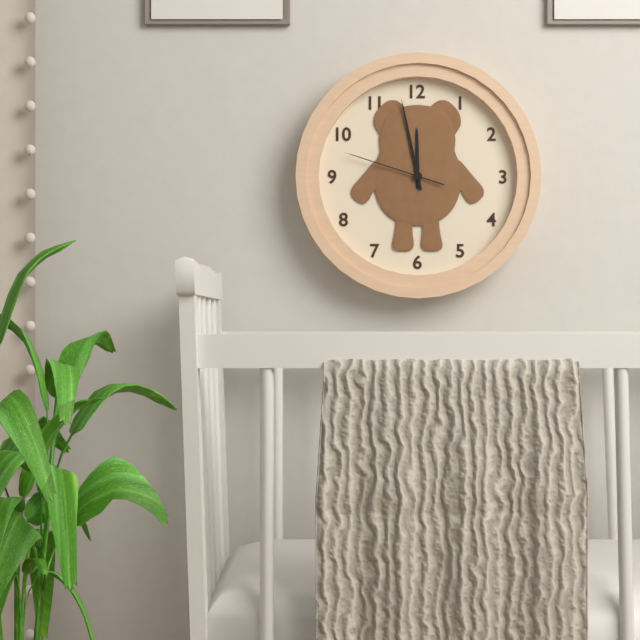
11h58m48s
